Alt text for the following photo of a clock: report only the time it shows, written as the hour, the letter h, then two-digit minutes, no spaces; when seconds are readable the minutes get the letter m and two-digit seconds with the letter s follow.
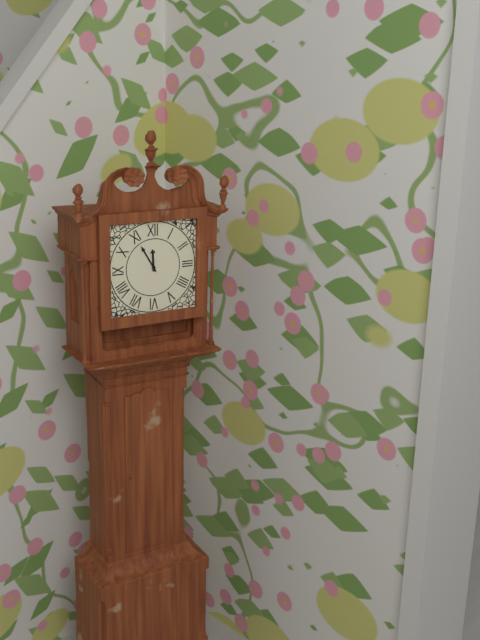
11h55
